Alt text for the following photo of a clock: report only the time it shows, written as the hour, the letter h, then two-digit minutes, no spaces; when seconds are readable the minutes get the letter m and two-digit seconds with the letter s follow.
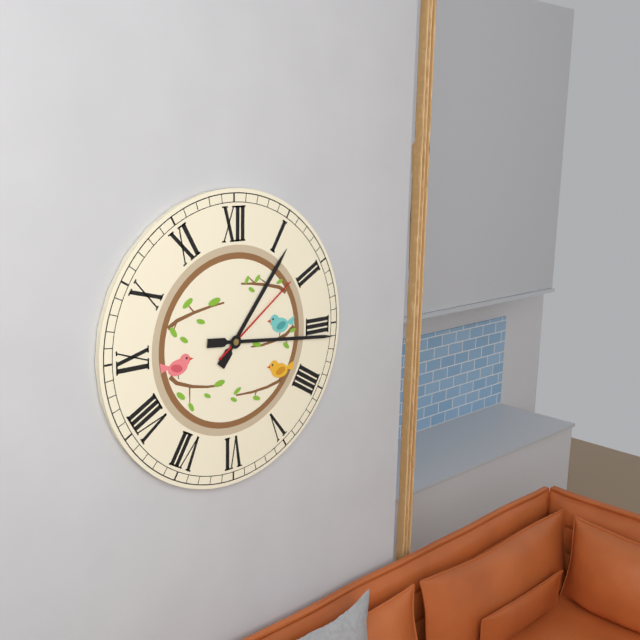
1h16m09s
